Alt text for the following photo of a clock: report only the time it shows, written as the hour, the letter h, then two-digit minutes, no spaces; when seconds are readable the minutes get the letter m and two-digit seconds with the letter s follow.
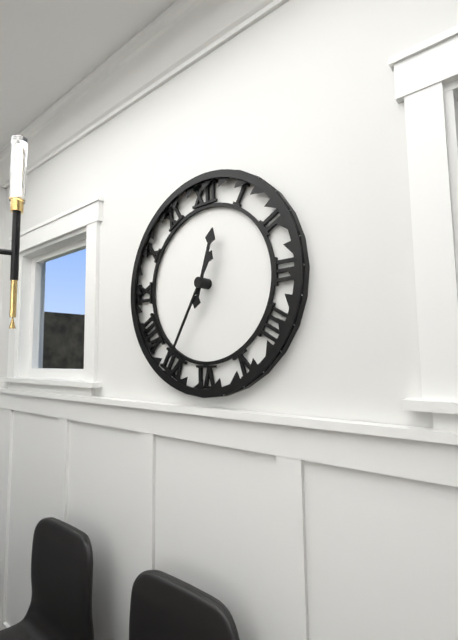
12h35
